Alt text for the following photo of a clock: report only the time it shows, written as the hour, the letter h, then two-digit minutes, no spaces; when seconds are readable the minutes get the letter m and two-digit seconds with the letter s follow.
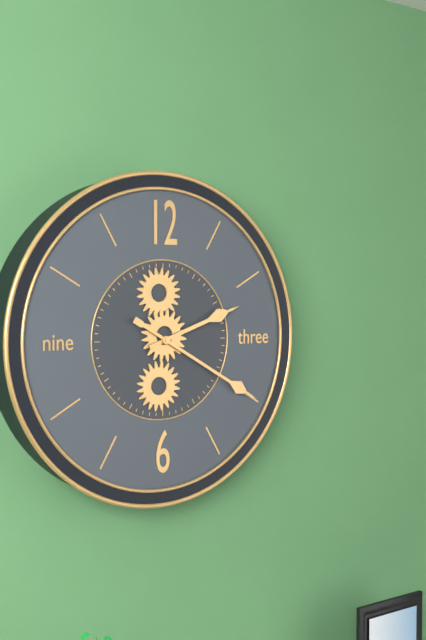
2h20
